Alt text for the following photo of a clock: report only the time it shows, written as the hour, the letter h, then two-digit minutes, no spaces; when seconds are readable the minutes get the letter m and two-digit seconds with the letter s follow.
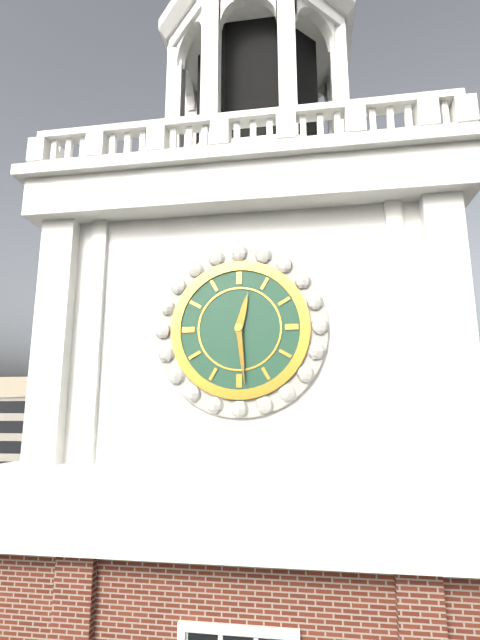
12h29
